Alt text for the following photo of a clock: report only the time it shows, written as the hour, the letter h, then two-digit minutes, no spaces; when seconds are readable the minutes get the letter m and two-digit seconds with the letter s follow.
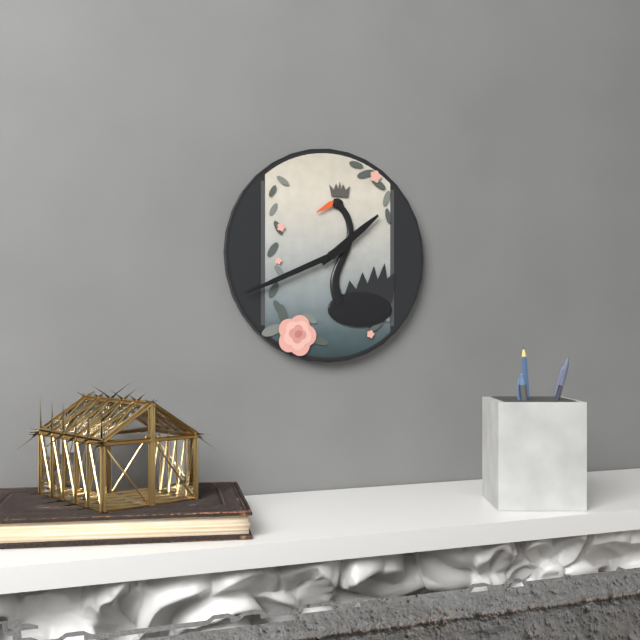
1h41
